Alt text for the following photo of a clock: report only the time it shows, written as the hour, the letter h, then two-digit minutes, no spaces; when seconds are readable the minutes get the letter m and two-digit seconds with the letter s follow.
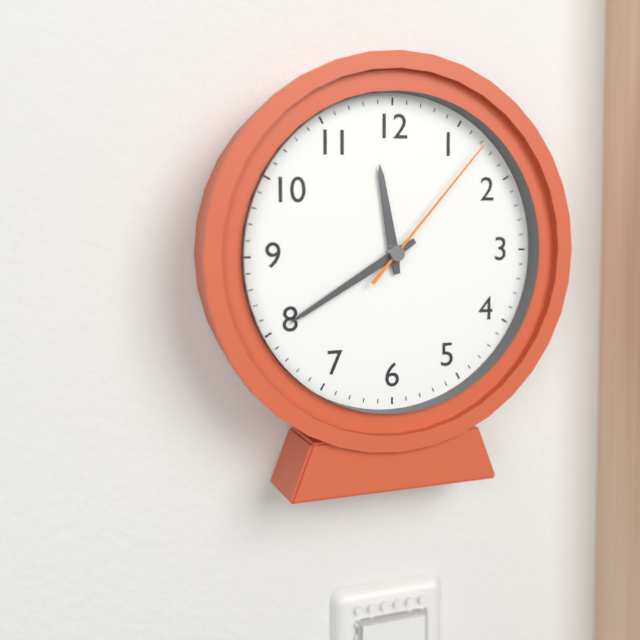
11h40m07s
